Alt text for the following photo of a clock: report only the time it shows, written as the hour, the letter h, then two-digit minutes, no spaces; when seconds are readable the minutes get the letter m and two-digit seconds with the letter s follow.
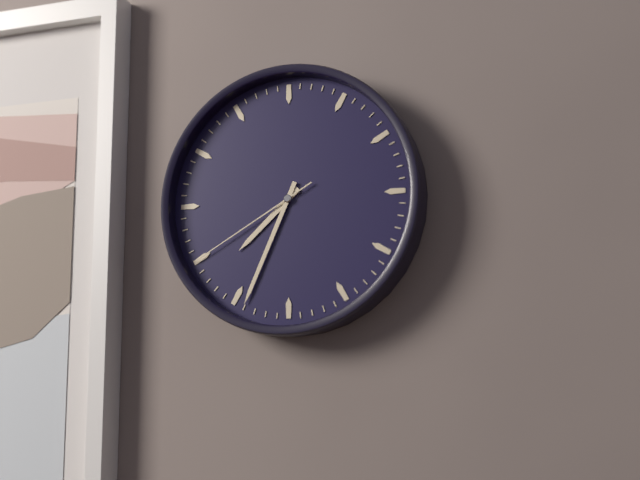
7h34m40s
